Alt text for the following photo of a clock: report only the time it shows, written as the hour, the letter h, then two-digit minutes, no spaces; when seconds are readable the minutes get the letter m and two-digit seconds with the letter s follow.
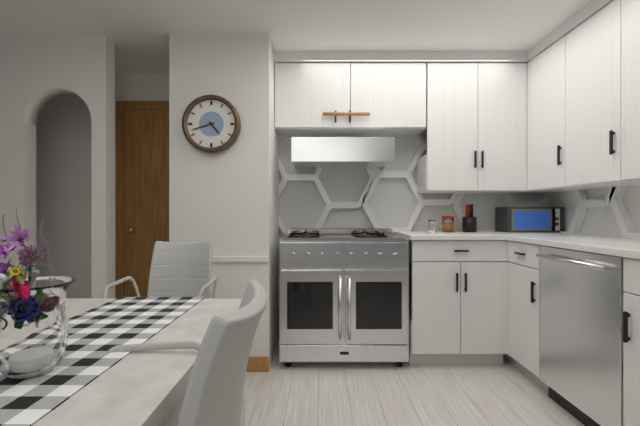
4h42
